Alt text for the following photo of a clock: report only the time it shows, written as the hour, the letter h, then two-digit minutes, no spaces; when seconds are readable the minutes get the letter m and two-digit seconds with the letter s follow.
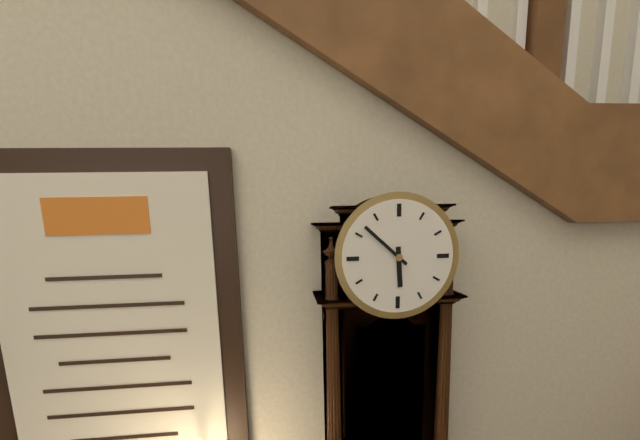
5h52
